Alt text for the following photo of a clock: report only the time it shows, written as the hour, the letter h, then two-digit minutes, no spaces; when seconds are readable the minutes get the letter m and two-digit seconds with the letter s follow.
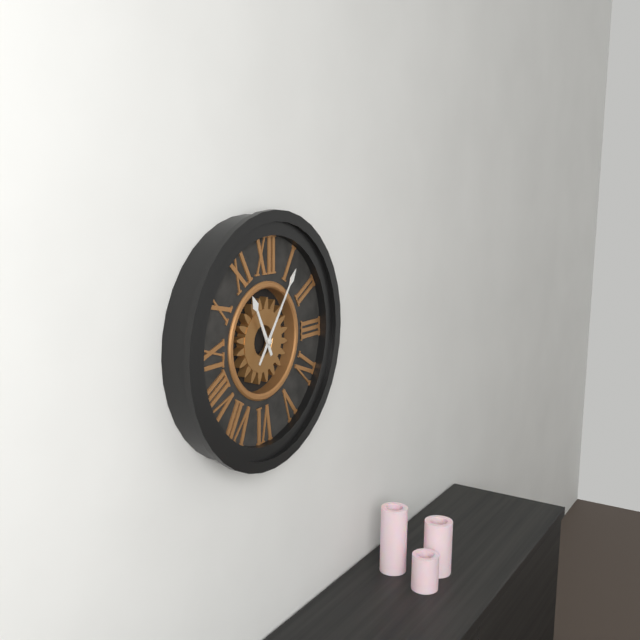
11h06
